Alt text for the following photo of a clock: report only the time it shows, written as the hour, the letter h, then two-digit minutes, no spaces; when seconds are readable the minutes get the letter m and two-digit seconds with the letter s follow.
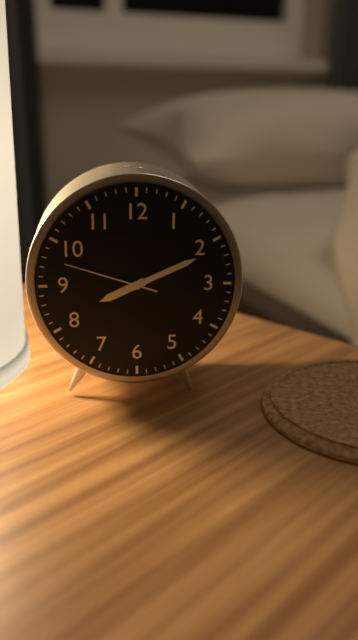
8h11m48s
